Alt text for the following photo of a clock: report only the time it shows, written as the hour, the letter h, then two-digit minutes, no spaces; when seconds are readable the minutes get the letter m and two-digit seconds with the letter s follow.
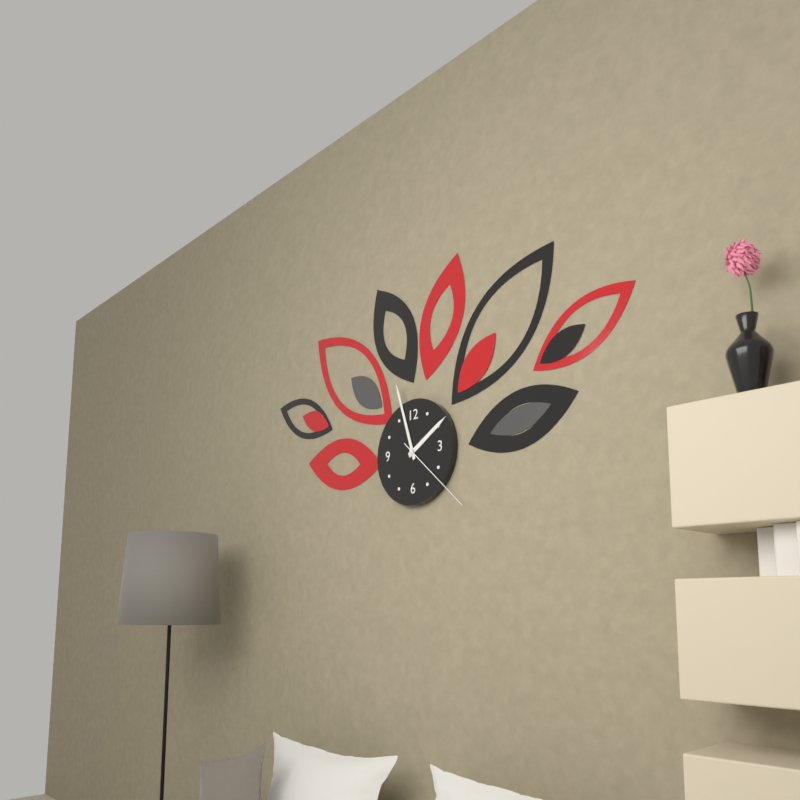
1h57m22s
